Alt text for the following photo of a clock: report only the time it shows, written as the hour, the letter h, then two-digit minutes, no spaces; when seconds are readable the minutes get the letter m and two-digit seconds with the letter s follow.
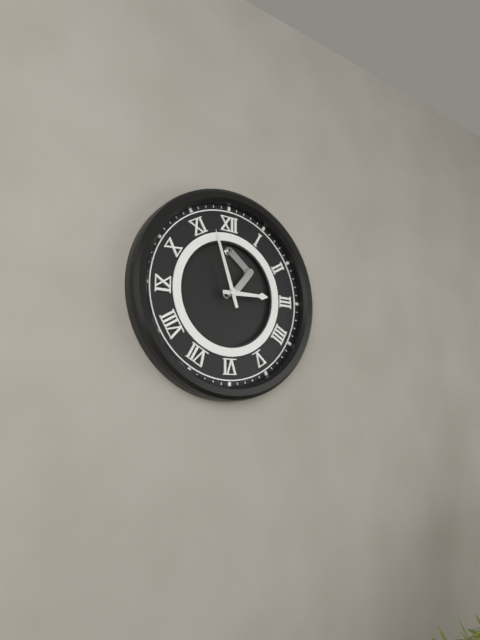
2h57
